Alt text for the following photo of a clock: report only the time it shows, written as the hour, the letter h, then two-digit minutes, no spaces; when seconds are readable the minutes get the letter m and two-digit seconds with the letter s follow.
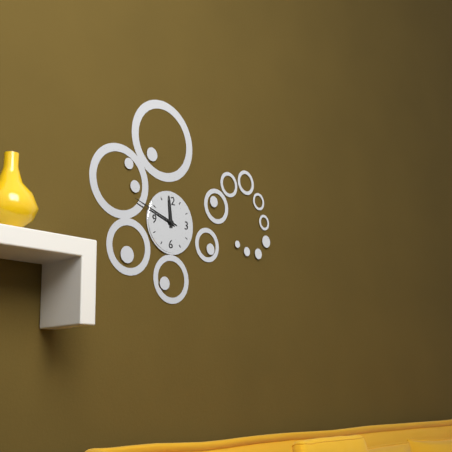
11h48
